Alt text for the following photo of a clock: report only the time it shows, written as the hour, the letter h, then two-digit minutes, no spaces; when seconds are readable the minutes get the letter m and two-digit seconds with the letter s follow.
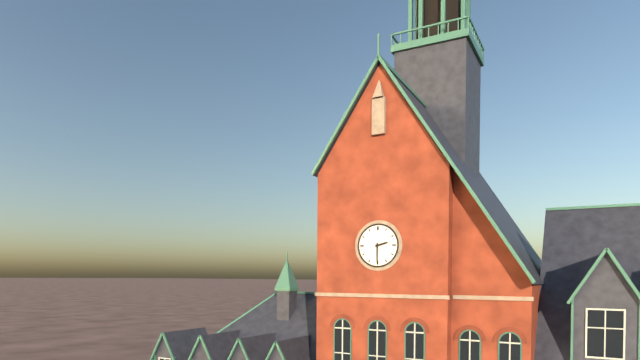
2h30
